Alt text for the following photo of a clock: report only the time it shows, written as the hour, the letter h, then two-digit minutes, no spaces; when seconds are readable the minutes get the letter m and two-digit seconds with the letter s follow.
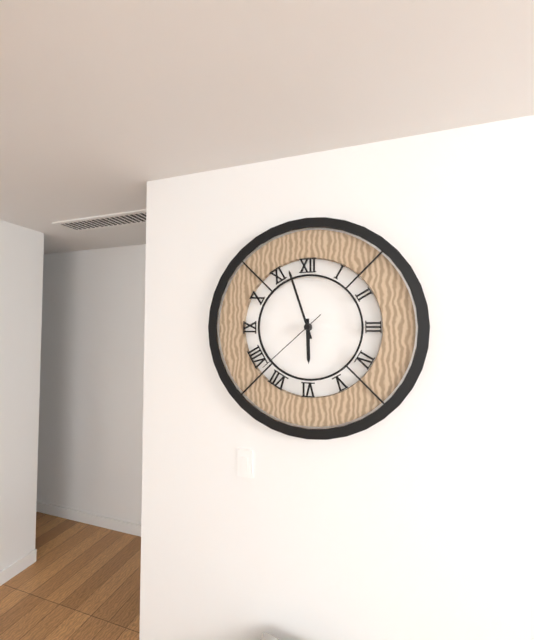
5h57m38s
